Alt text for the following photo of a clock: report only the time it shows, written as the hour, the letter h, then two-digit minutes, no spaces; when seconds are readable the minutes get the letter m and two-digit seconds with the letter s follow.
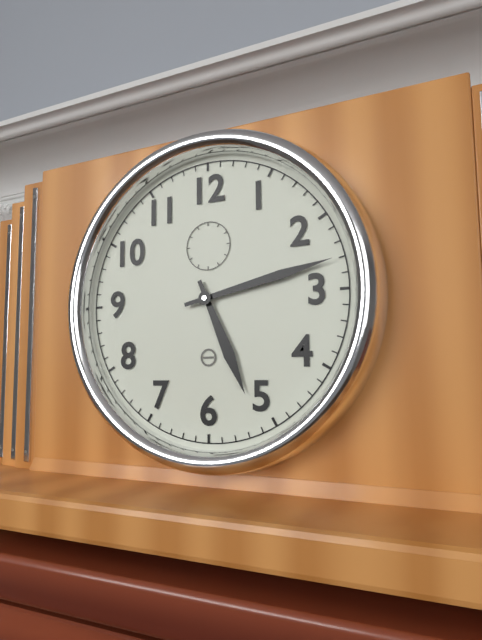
5h13
